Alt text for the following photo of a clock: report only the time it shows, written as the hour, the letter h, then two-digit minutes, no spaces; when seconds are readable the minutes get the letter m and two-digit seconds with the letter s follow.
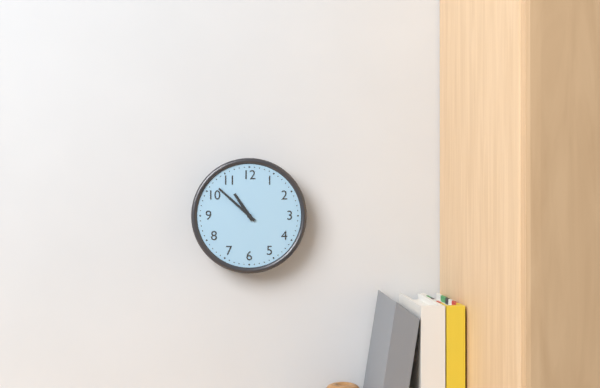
10h52
